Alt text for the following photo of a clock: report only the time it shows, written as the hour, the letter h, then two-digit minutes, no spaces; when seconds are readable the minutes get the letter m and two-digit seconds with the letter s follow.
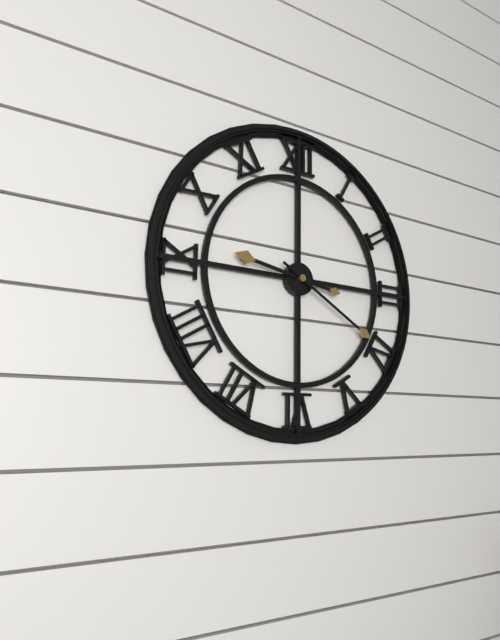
9h20
